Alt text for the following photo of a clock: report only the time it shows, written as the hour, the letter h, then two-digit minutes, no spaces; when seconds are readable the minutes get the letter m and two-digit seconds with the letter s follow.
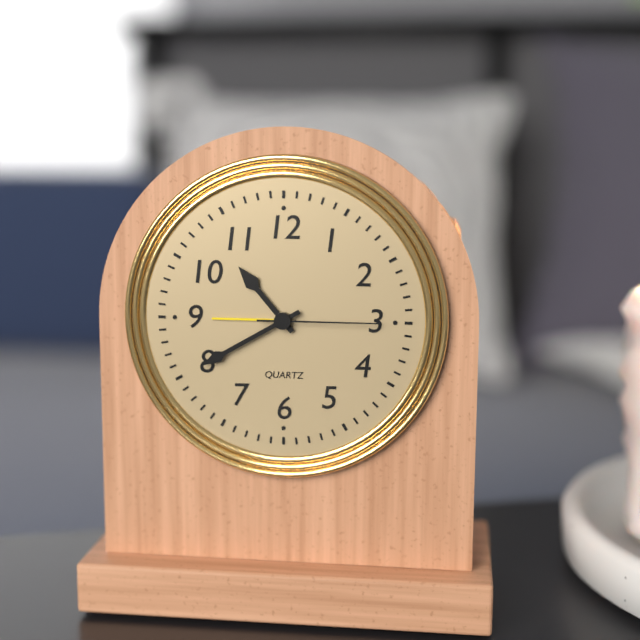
10h40m15s
